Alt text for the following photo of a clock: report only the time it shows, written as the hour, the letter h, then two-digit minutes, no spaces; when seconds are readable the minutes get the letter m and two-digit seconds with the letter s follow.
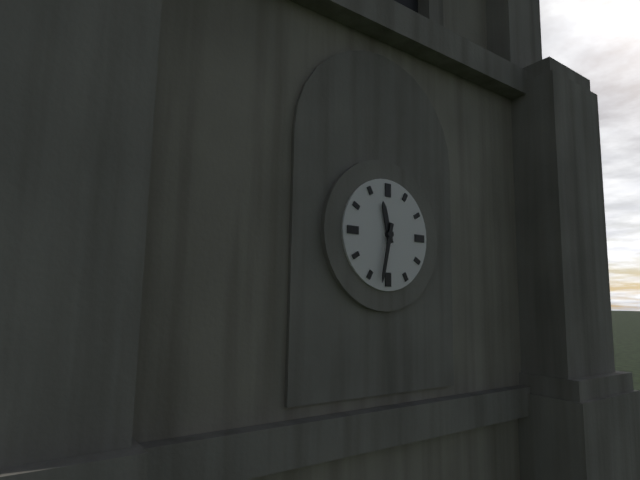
11h32
